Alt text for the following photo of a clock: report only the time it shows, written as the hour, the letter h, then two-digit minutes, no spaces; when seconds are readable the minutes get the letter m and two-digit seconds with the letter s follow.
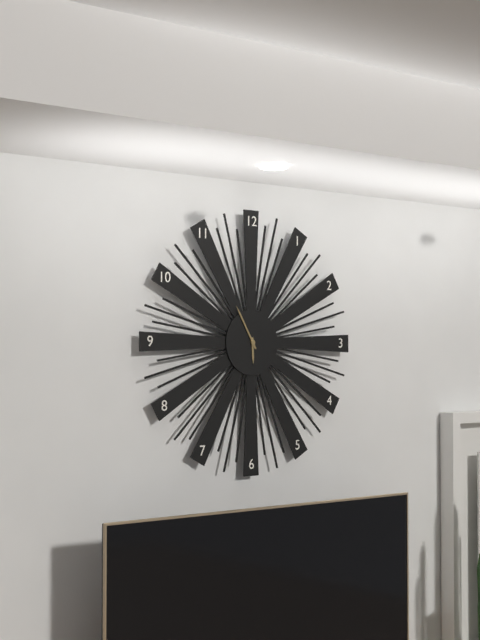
5h55
